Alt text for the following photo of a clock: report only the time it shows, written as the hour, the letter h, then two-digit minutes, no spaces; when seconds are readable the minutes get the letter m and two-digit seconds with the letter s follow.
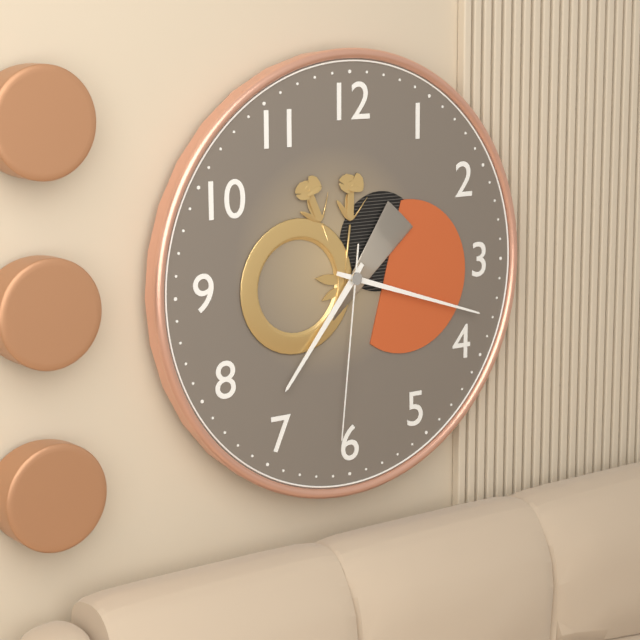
7h18m31s
